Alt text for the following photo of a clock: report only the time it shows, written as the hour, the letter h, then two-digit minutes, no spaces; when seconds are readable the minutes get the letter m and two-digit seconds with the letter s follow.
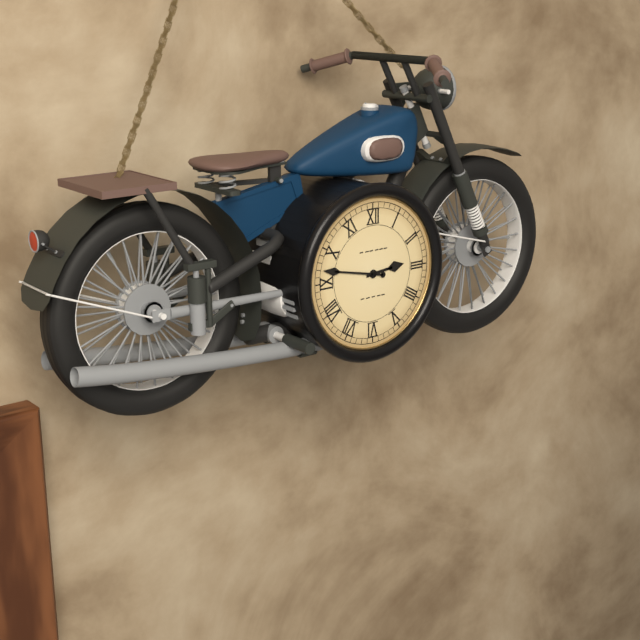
2h47
